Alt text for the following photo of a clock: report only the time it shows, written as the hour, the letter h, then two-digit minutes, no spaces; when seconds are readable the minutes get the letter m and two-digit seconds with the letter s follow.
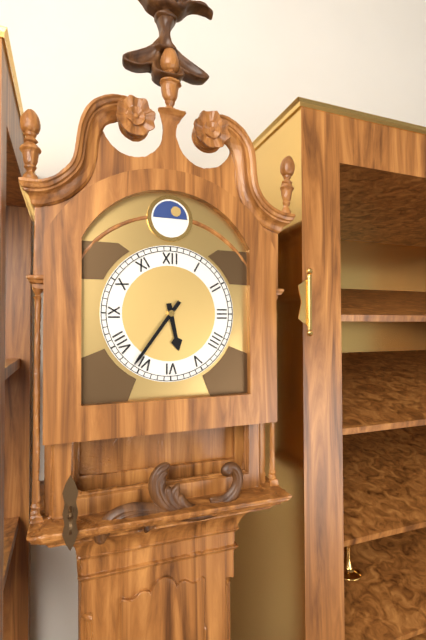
5h36
